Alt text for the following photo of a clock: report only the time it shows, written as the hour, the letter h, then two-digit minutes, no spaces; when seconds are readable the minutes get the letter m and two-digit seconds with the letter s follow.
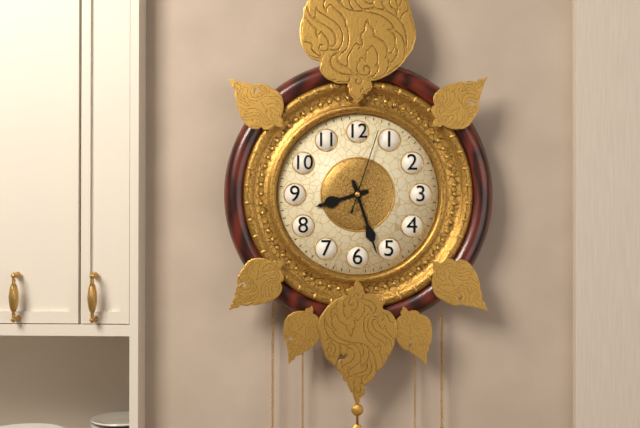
8h27m03s
